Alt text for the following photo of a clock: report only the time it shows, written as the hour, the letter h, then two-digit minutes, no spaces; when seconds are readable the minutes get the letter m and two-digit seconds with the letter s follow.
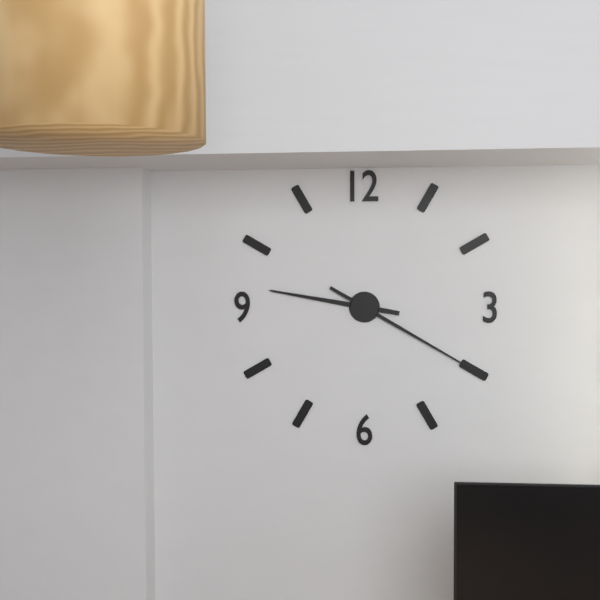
9h20
